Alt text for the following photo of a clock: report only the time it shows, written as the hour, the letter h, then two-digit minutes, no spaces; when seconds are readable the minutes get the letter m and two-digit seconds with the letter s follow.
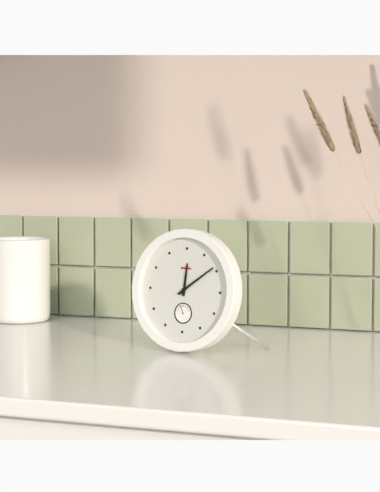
12h09
